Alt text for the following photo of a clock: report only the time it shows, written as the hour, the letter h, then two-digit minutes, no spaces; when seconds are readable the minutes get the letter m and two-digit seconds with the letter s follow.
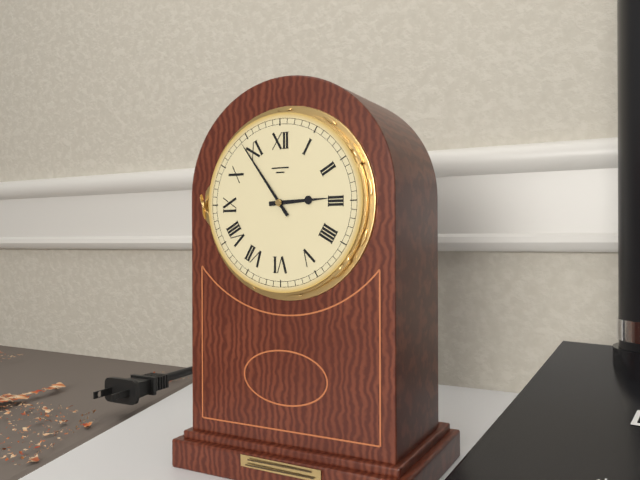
2h54
